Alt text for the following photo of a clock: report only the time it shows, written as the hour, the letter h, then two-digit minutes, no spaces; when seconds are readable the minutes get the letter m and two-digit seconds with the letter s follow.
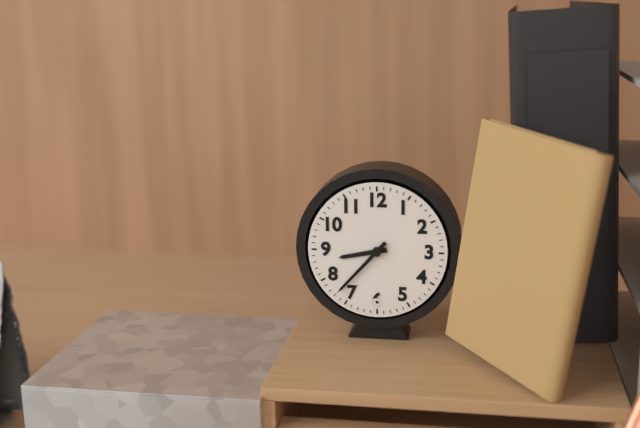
8h37
